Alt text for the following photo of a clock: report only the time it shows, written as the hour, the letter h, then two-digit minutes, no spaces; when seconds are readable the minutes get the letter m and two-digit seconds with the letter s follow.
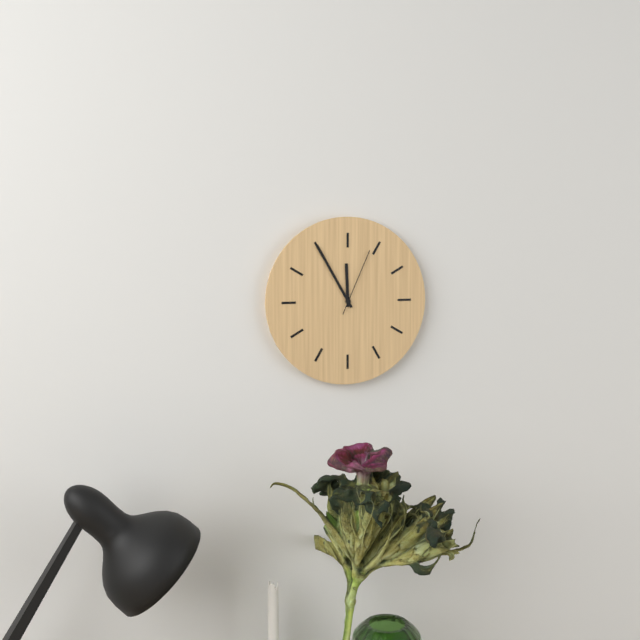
11h55m04s
